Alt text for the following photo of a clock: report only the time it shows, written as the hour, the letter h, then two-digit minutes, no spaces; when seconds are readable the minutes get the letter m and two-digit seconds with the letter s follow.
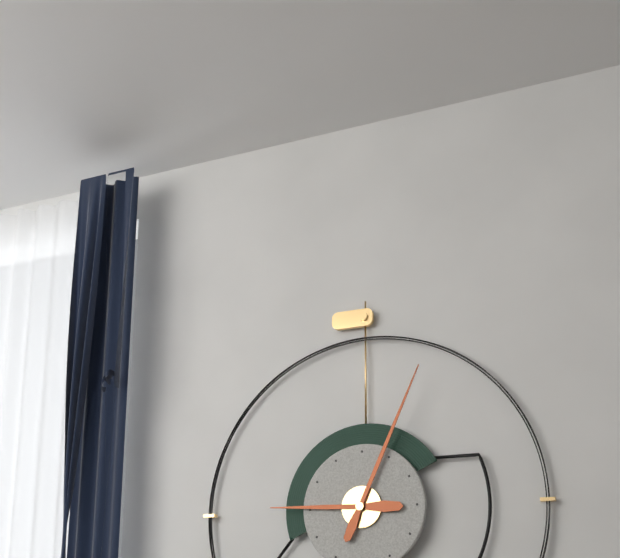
9h04
